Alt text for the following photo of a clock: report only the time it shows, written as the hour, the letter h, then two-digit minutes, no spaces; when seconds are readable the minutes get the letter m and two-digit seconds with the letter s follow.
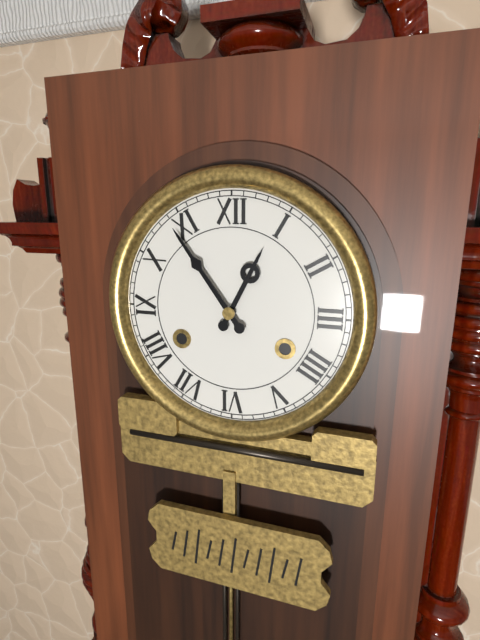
12h54
